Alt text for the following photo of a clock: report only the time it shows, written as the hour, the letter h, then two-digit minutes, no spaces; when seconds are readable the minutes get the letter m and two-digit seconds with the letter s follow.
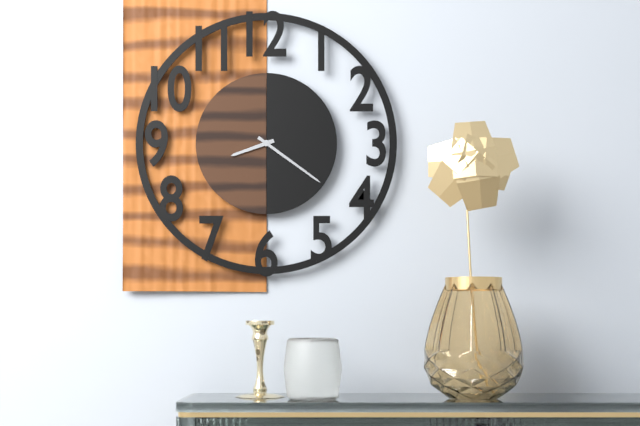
8h21
